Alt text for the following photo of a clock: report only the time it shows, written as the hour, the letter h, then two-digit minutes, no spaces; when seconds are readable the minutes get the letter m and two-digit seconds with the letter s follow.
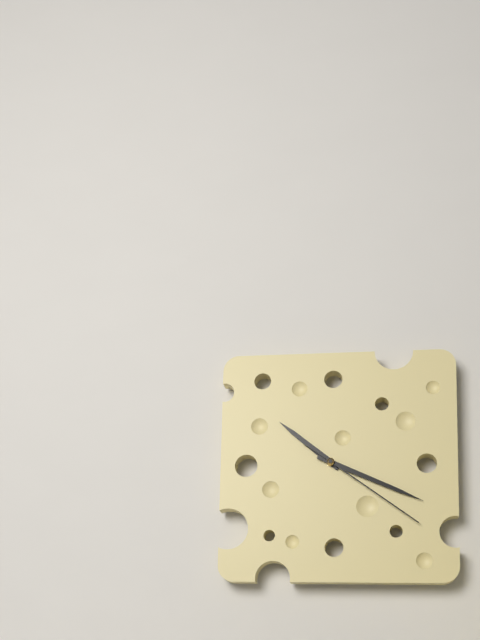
10h19m21s
